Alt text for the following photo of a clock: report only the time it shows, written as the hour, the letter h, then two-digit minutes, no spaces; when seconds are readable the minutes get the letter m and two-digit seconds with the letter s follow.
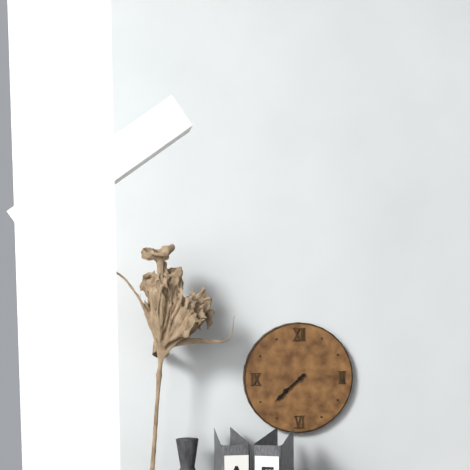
7h38
